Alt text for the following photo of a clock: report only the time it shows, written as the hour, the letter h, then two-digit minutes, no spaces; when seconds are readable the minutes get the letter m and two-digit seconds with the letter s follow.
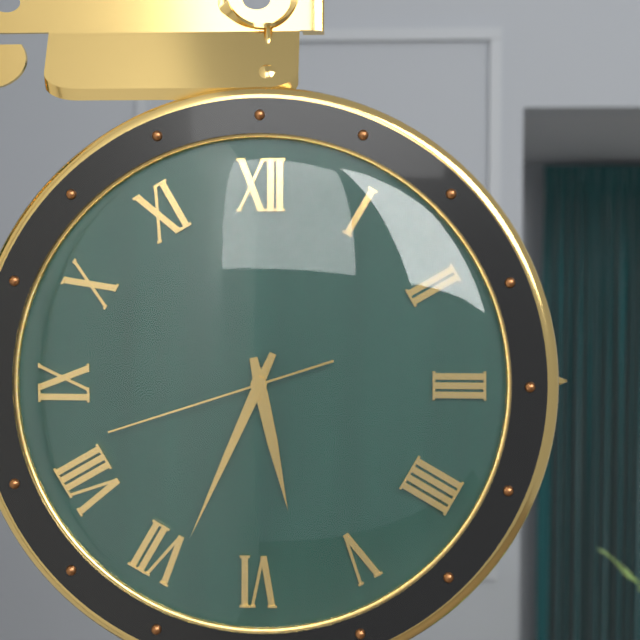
5h34m42s
